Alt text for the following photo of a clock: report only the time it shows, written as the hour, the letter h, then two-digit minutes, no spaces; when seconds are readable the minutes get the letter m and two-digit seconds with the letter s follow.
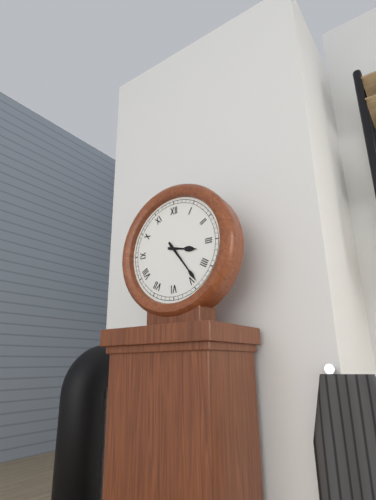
3h24
